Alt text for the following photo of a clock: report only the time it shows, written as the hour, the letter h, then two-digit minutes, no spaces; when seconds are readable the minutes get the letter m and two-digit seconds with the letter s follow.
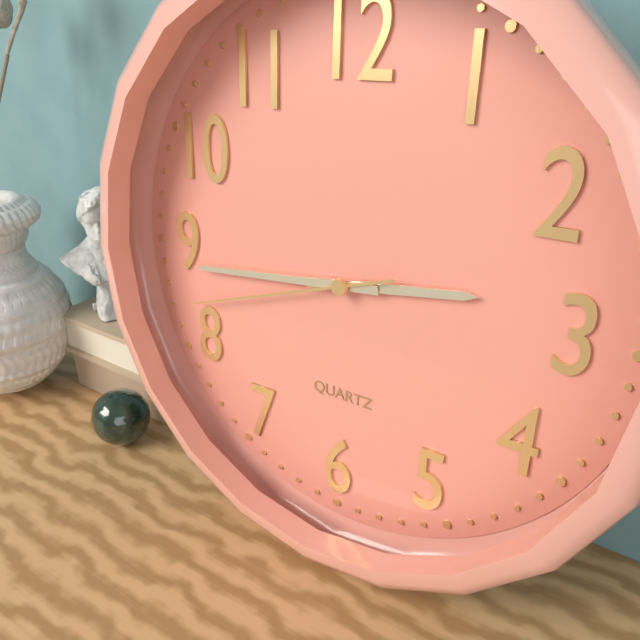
2h44m42s
